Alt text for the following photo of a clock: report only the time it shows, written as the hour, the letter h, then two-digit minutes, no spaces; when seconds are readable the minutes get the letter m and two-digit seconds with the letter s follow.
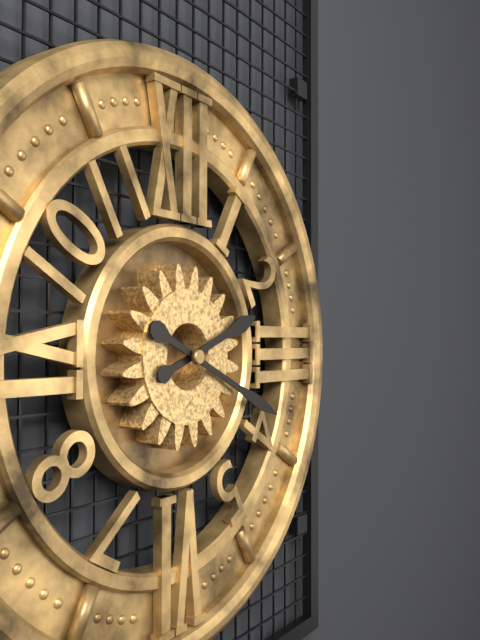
2h19
